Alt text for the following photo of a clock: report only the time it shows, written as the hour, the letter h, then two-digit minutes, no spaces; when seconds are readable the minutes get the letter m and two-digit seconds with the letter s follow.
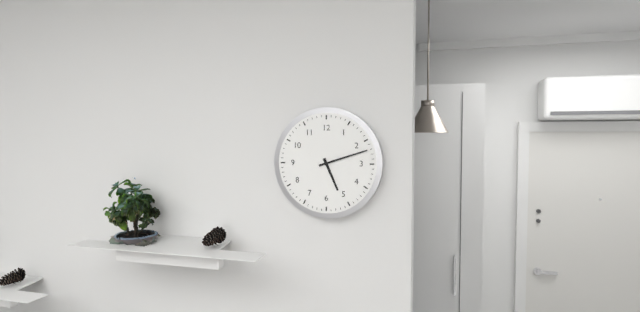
5h12
